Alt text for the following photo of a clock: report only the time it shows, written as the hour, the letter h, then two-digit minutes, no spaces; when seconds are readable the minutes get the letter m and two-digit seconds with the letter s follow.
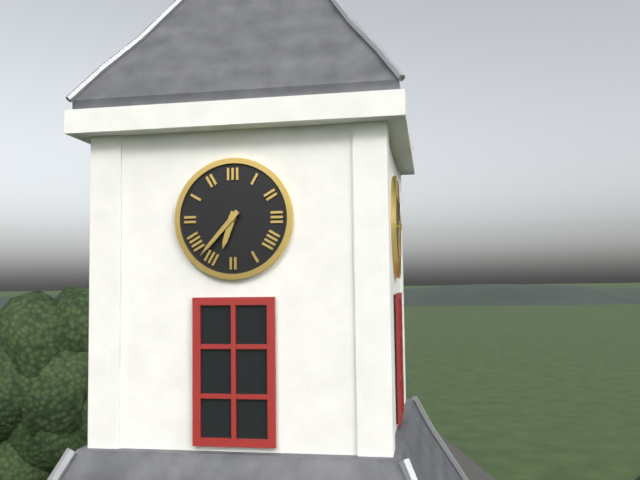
6h37
